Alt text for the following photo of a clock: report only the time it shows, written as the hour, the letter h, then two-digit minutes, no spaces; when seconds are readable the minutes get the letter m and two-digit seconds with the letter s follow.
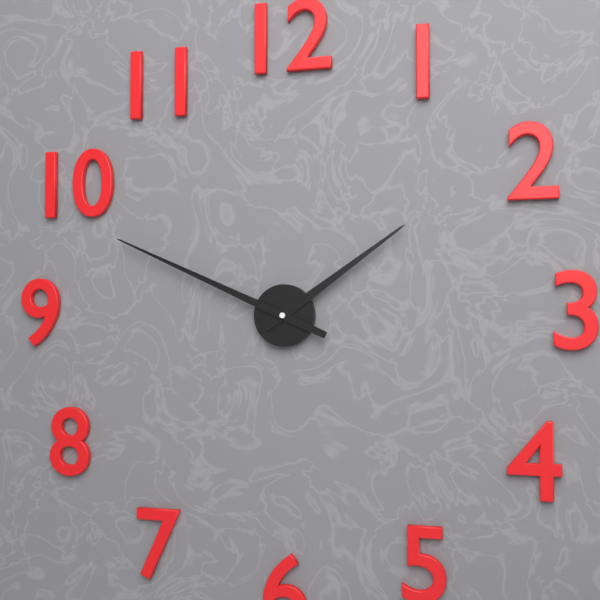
1h49
